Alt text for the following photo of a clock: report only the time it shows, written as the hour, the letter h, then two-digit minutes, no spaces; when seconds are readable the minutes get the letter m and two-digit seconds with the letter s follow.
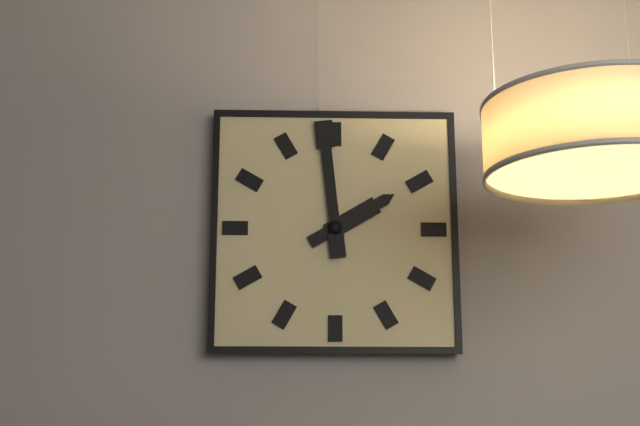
1h59
